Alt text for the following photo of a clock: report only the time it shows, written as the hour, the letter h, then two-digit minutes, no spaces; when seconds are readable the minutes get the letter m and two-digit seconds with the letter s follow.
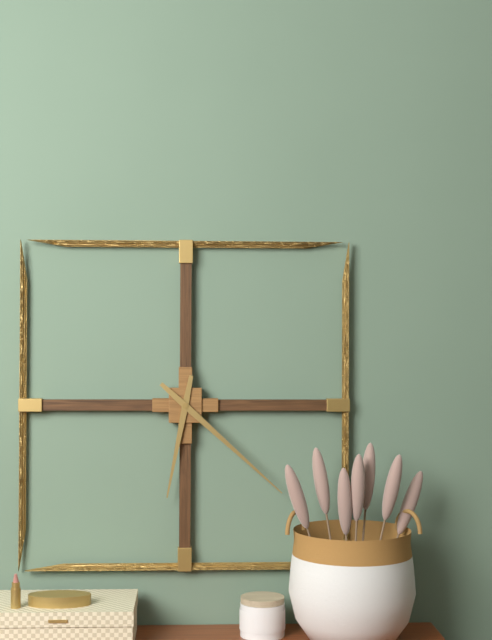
6h22
